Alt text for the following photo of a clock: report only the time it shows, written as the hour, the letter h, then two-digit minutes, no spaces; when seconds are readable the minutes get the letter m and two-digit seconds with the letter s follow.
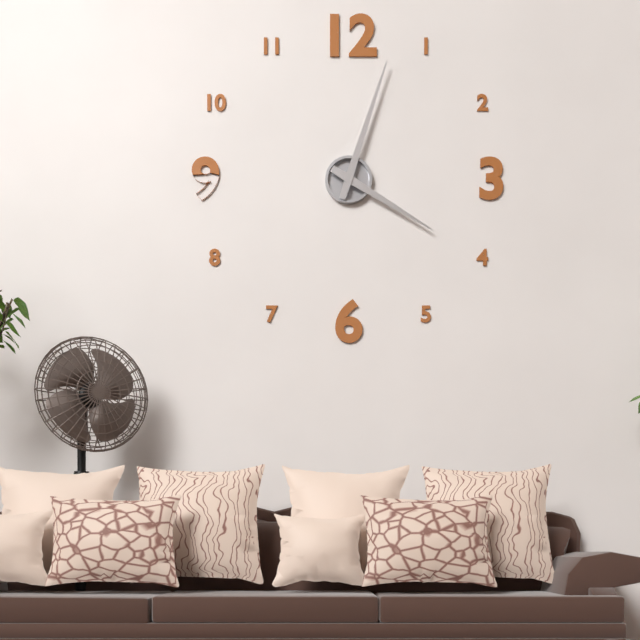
4h03
